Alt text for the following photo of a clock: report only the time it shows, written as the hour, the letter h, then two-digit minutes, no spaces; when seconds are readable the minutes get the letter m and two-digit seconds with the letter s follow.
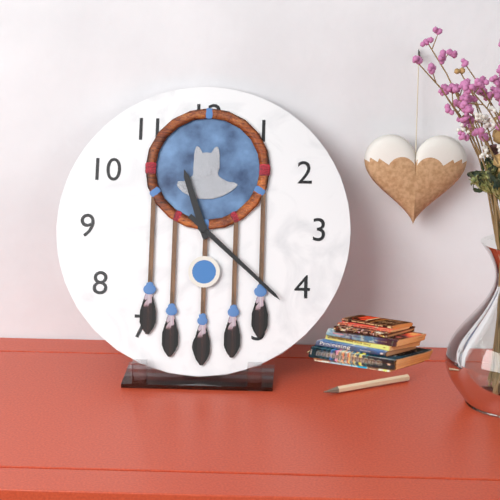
11h22
